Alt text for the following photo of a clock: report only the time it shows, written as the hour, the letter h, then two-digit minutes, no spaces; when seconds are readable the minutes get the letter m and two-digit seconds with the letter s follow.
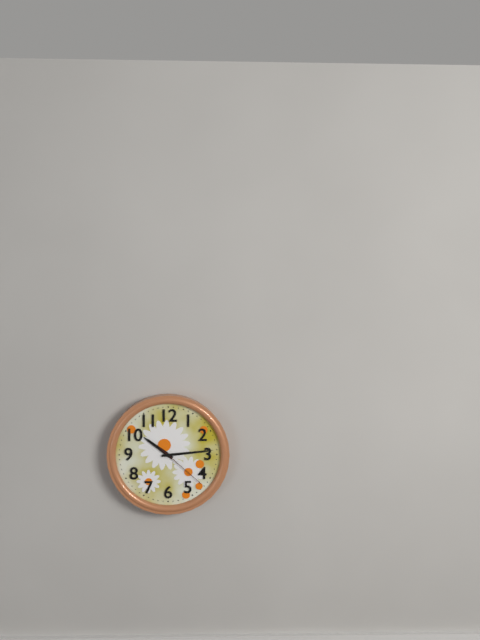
10h14m22s
